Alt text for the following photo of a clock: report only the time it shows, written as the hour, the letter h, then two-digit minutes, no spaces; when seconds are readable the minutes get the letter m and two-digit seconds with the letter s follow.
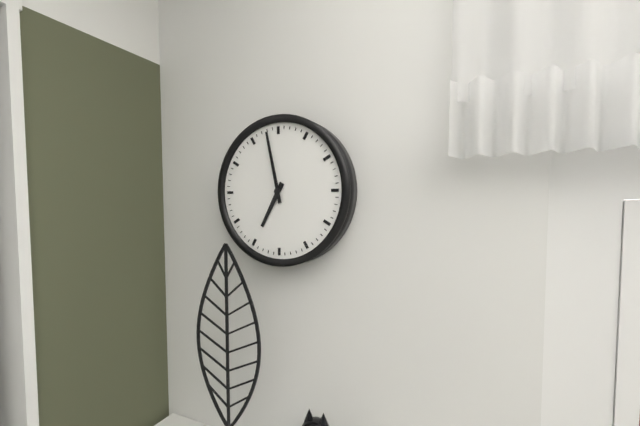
6h58
